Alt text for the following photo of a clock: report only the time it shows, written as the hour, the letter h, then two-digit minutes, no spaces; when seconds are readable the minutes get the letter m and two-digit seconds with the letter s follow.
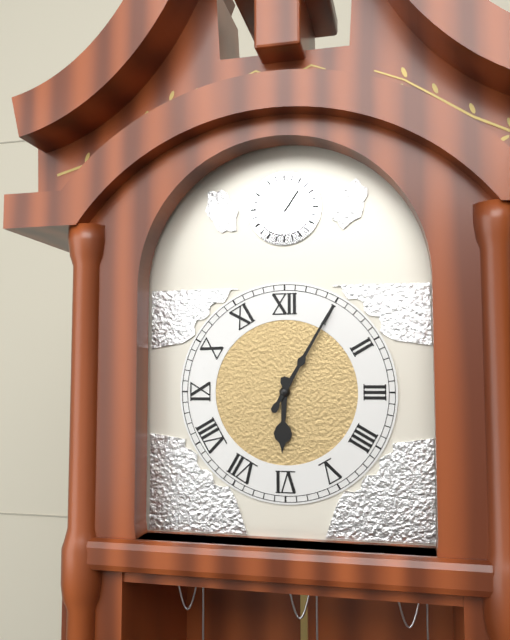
6h05
